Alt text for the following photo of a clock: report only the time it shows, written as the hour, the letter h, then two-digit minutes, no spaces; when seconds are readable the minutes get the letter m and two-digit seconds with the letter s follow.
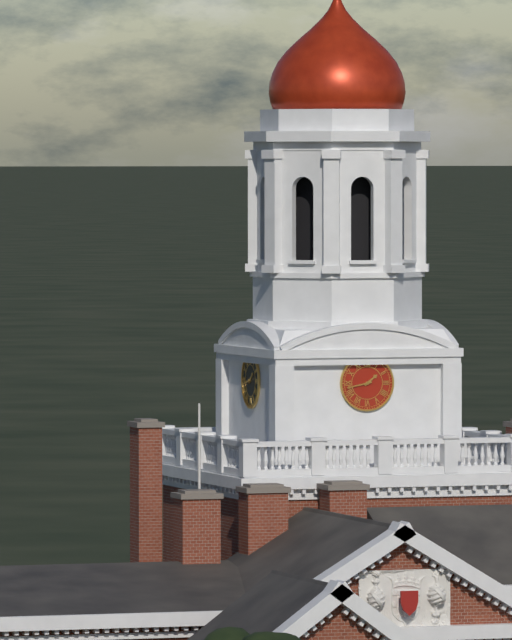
1h43
